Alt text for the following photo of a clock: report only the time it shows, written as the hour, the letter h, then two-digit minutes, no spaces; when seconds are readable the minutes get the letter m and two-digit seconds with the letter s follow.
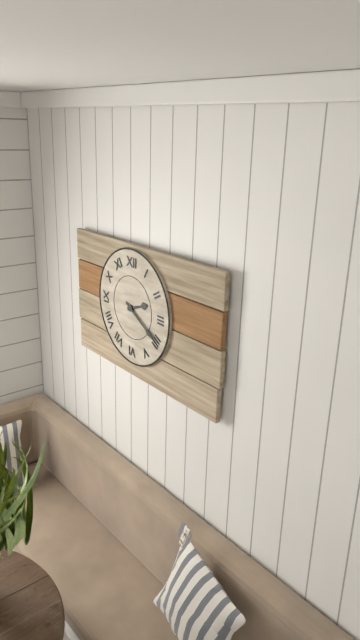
2h20
